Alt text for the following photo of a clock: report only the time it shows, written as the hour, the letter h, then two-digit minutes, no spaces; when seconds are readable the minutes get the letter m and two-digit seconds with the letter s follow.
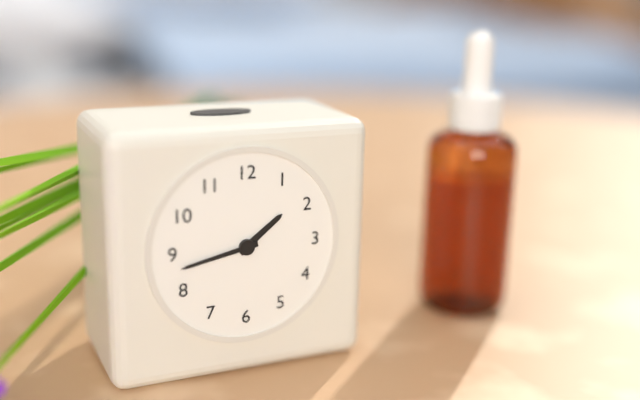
1h43
